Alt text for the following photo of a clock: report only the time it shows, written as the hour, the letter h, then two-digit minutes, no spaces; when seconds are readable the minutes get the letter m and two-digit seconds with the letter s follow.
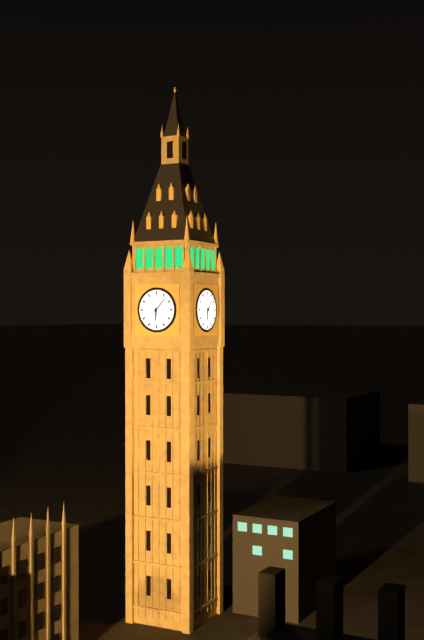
6h07
